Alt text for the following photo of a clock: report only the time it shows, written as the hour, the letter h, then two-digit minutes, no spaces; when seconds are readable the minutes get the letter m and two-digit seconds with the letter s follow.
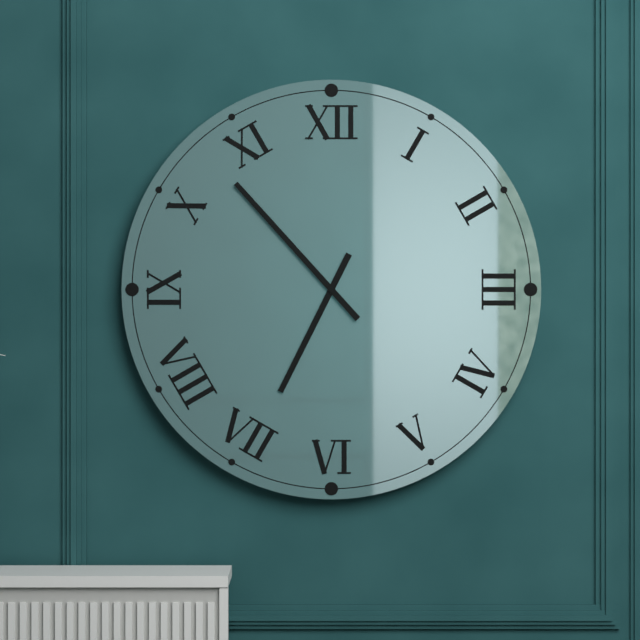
6h53
